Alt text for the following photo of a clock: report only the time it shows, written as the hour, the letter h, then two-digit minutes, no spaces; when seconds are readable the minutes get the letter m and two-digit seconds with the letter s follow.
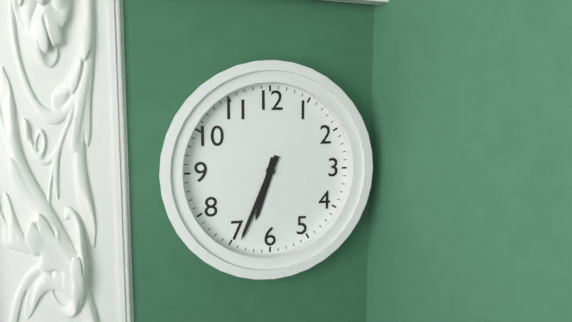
6h34
